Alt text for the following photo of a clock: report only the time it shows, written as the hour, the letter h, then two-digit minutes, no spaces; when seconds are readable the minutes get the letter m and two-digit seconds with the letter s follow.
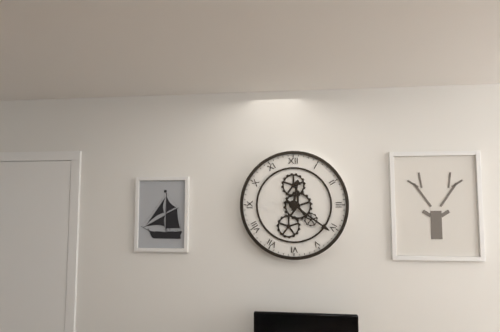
12h21
